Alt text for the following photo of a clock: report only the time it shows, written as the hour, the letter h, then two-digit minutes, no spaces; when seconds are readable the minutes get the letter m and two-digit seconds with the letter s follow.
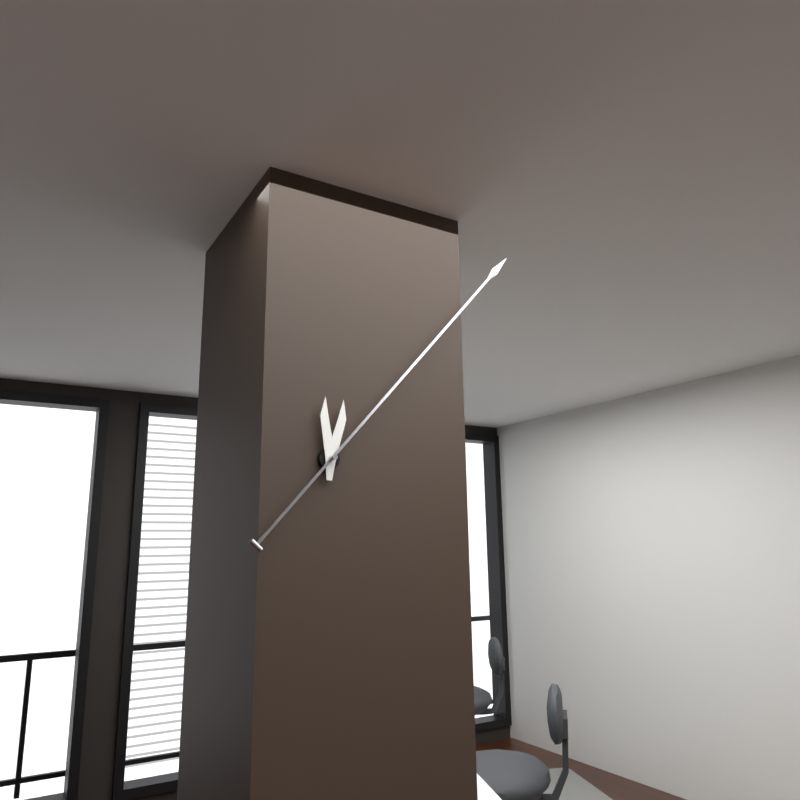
12h07
